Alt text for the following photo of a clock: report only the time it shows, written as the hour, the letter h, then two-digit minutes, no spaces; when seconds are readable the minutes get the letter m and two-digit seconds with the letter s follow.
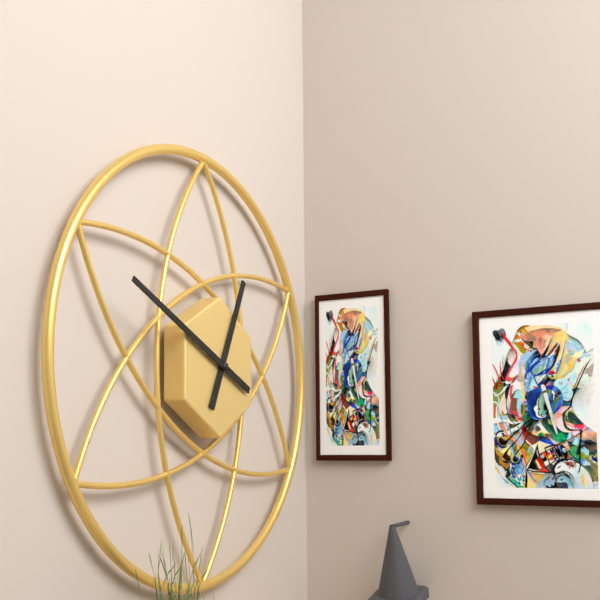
12h49
